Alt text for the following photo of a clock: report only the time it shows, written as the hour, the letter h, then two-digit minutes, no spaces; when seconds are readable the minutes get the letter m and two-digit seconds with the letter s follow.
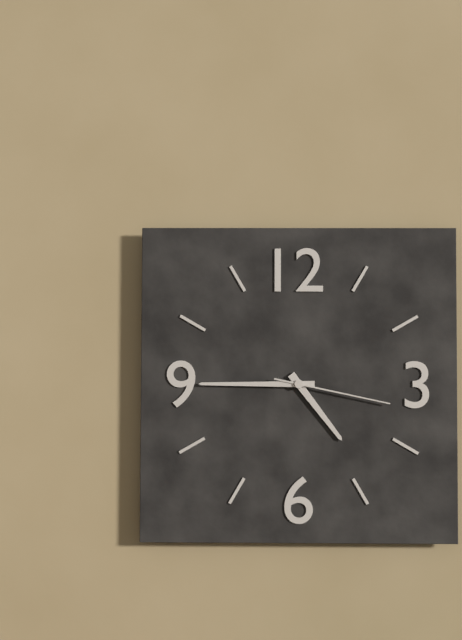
4h45m17s
